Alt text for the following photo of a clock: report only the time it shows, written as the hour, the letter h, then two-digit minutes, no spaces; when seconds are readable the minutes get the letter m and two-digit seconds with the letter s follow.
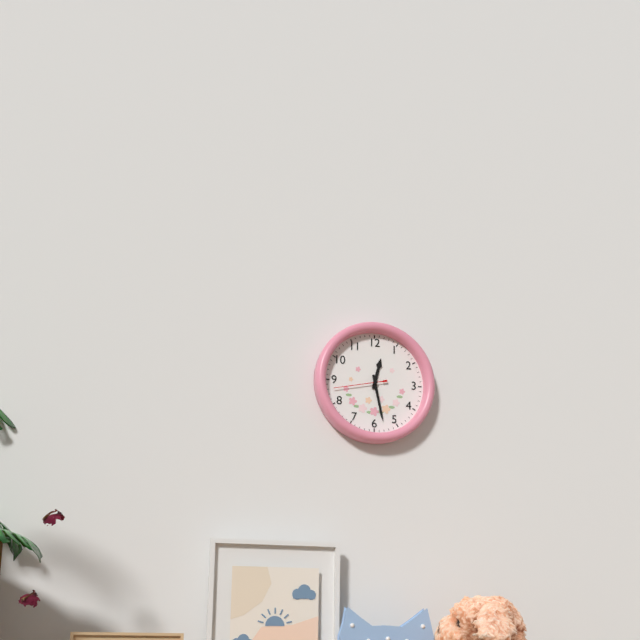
12h28m43s
